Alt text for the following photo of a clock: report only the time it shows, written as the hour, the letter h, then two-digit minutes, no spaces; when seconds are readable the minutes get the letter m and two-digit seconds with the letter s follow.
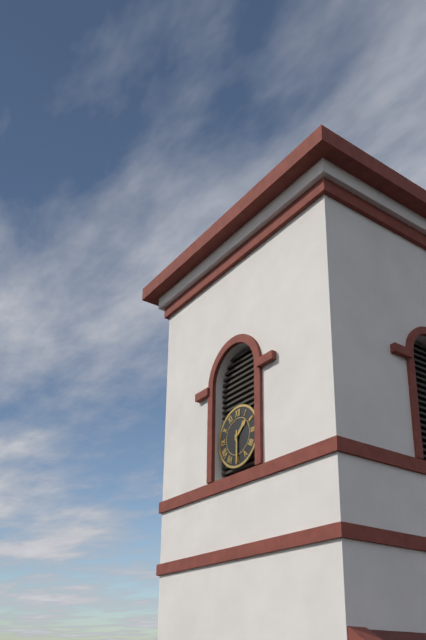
1h30
